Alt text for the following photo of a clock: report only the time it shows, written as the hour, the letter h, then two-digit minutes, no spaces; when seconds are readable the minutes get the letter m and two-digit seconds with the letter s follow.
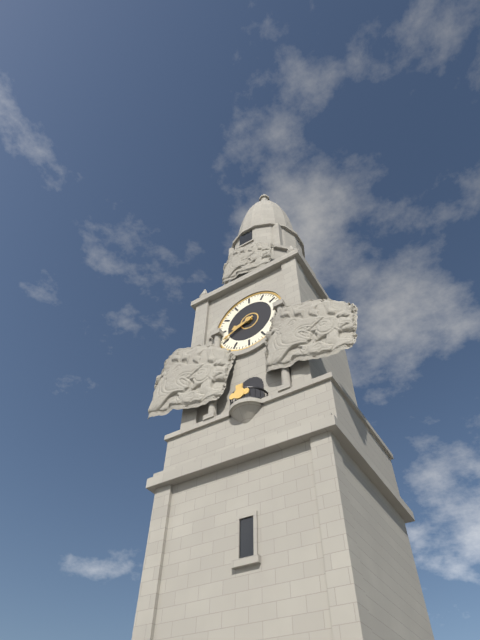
8h41
